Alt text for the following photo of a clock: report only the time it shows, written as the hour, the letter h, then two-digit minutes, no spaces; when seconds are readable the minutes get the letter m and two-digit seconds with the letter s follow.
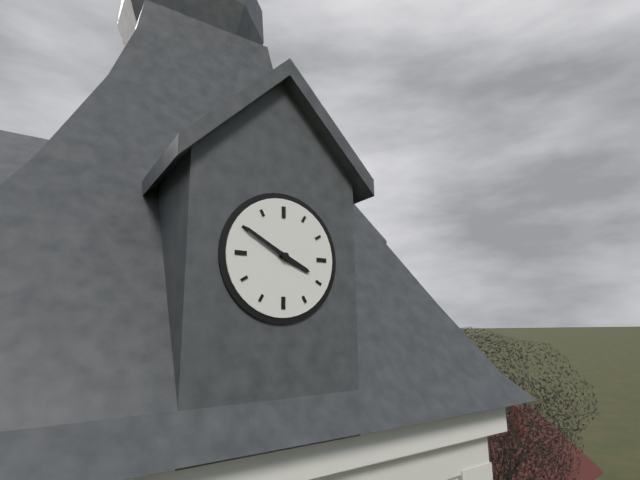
3h50
